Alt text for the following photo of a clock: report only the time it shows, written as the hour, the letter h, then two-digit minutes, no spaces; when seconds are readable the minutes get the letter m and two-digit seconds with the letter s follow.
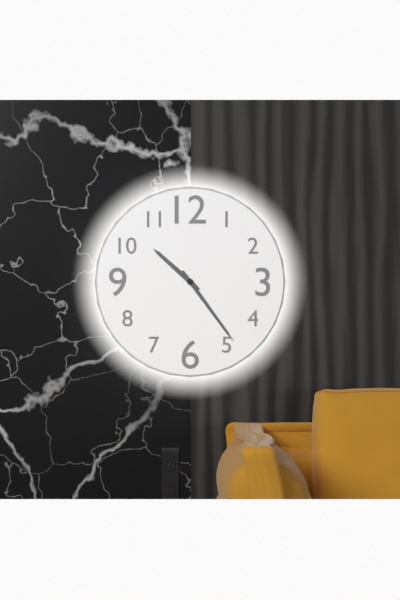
10h24
